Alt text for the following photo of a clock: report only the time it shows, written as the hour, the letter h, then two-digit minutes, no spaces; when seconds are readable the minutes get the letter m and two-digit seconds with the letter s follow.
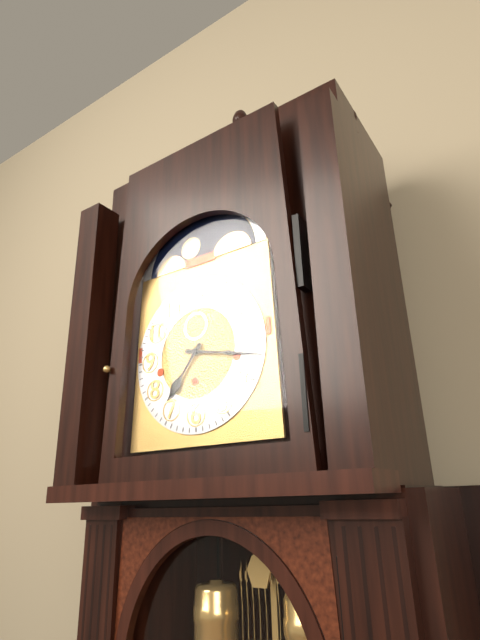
7h17
